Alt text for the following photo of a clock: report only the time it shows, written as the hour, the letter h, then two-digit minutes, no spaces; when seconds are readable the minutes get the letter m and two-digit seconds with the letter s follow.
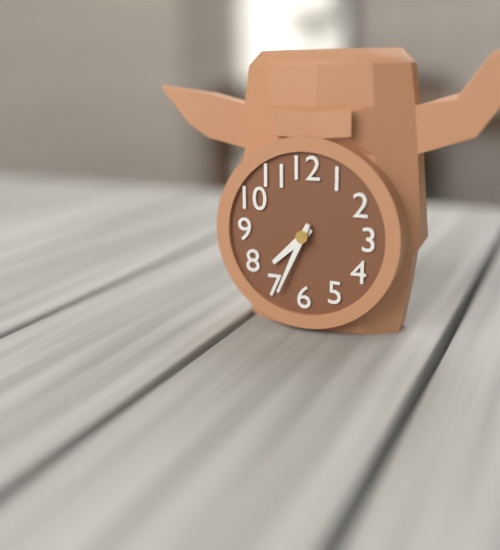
7h34
